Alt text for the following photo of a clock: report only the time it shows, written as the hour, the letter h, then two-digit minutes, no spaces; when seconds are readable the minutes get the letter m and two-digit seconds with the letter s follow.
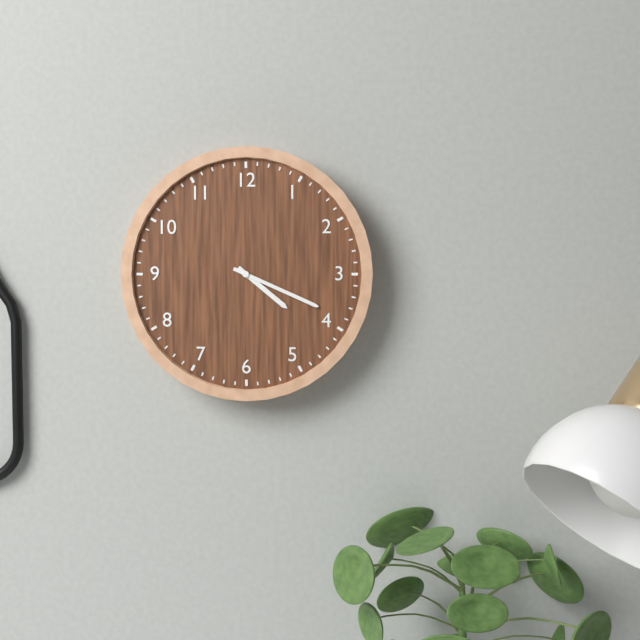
4h19
